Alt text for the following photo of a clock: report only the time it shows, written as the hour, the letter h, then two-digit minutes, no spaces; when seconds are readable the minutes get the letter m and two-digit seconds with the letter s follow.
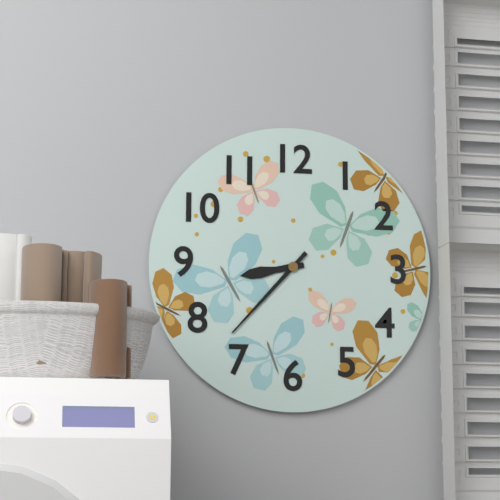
8h37
